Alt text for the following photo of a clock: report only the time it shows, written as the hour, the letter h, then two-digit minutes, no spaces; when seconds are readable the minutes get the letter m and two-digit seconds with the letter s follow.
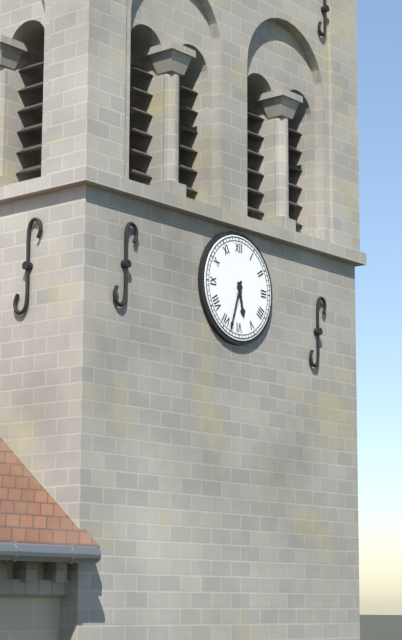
5h33
